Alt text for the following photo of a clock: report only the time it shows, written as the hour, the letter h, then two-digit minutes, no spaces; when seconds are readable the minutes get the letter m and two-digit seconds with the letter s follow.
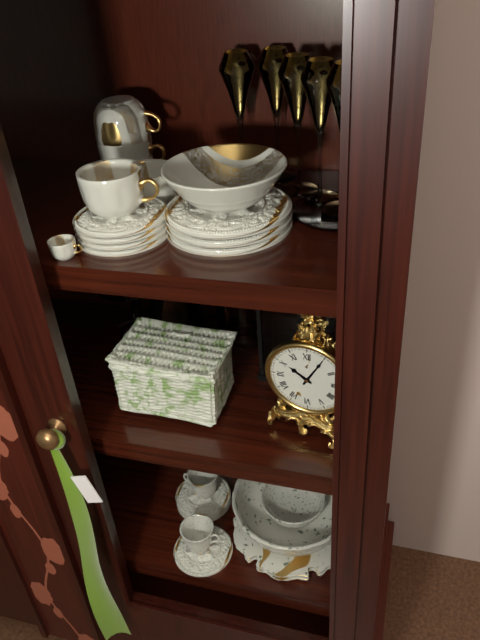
10h05
